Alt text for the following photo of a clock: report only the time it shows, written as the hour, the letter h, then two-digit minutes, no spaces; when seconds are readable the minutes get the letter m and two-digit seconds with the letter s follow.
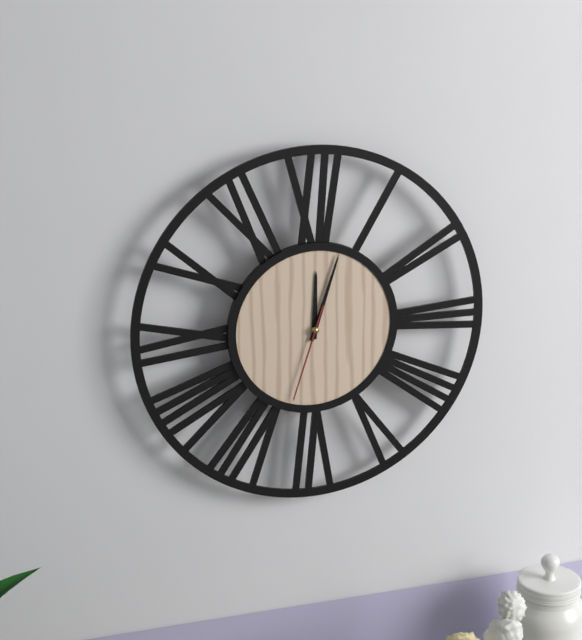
12h03m33s
